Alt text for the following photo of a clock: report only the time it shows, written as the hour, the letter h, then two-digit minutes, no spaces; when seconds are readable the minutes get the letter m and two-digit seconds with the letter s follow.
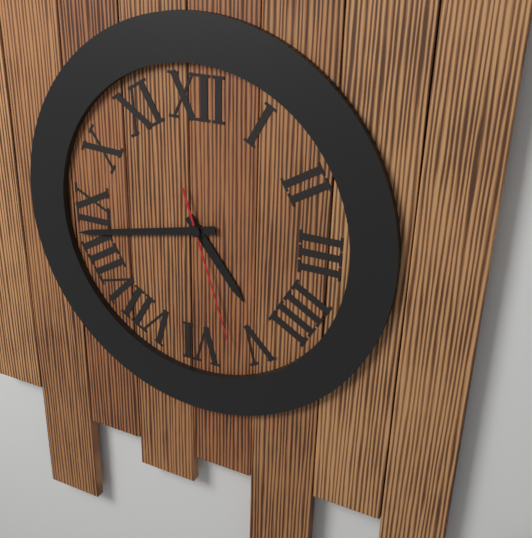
4h43m27s
